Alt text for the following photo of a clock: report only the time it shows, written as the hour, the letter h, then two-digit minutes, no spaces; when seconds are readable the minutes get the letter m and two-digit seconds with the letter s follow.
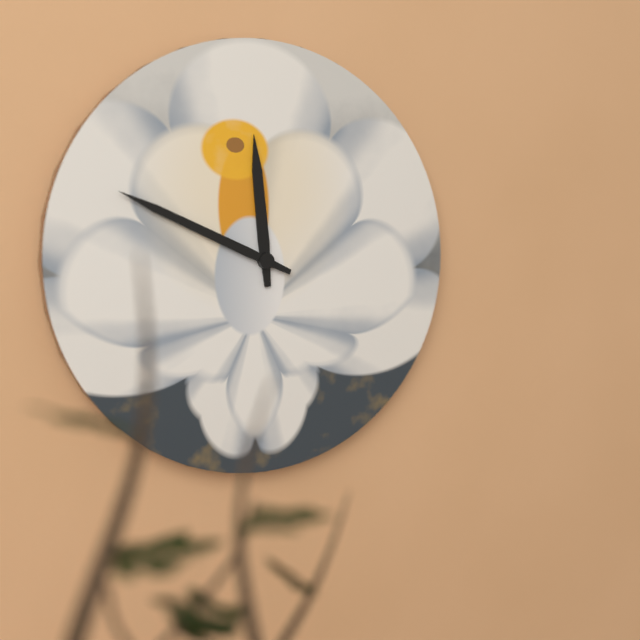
11h49
